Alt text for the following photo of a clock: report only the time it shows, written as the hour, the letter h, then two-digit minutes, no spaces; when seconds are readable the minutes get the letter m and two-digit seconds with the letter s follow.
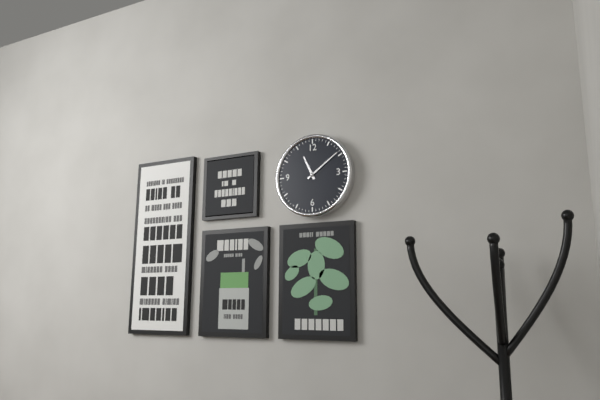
11h09
